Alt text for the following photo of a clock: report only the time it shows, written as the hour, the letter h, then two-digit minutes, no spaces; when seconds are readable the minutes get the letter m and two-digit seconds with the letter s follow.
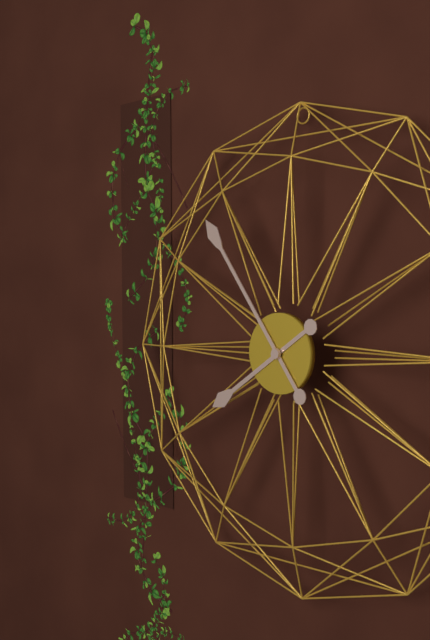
7h54
